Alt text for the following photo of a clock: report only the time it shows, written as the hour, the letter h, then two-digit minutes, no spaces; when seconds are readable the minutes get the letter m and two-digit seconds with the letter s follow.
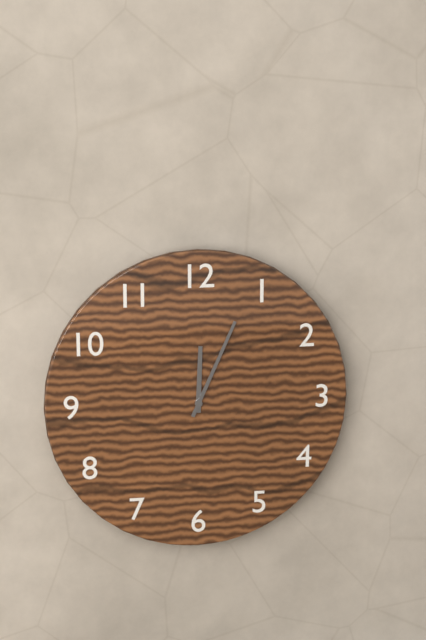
12h04
